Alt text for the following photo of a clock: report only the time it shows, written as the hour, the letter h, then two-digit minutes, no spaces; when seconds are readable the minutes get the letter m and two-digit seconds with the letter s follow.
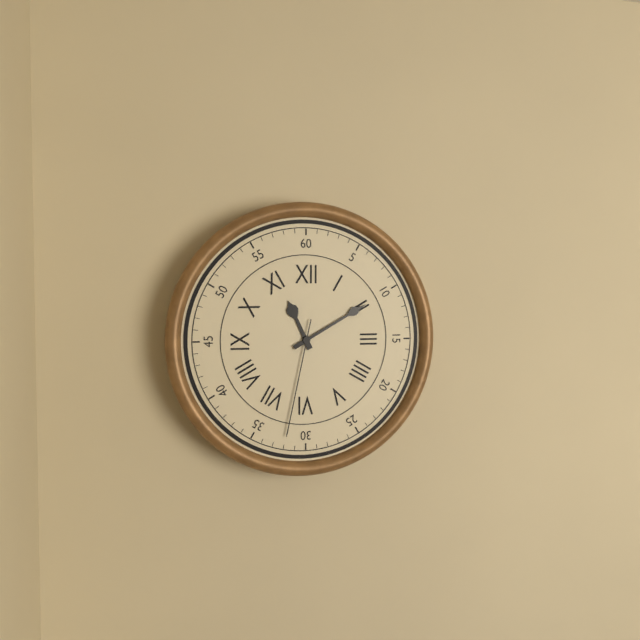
11h10m32s
